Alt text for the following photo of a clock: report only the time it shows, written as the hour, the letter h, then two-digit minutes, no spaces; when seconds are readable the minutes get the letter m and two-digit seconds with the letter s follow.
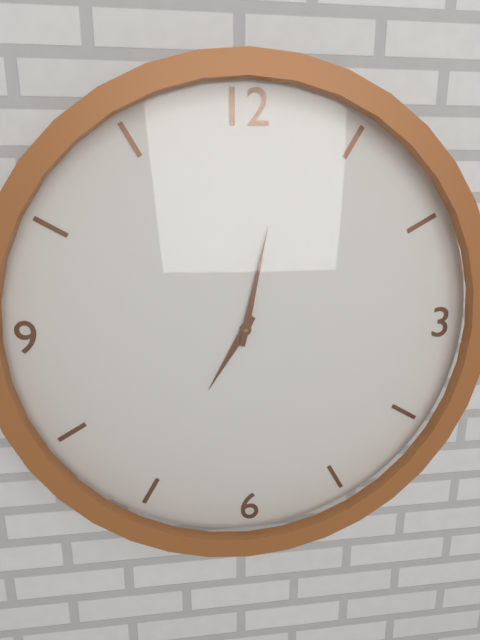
7h02
